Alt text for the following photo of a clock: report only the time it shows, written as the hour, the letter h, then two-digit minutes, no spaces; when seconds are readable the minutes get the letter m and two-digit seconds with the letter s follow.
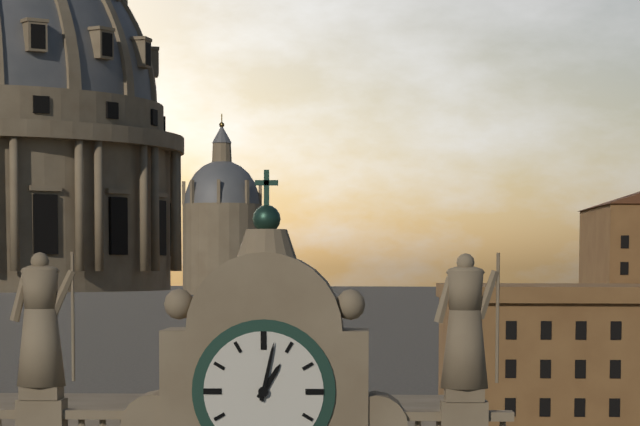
1h02
